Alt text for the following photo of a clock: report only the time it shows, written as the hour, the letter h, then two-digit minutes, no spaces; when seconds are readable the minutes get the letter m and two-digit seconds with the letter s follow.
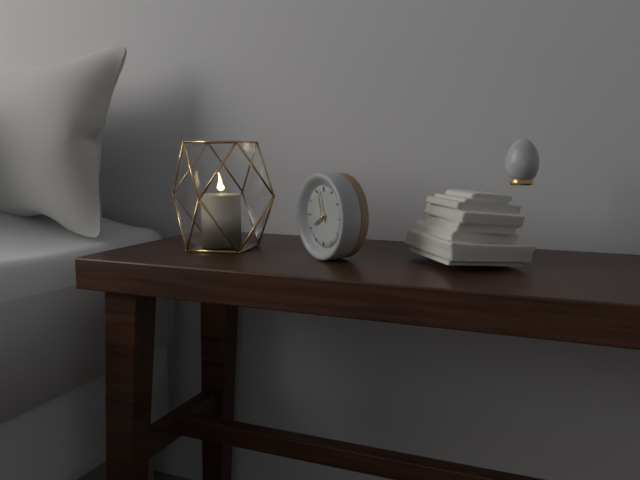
7h57
